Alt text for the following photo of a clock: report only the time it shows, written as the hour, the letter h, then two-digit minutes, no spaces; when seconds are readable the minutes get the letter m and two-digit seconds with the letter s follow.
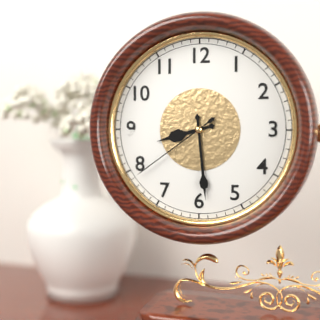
8h29m39s
